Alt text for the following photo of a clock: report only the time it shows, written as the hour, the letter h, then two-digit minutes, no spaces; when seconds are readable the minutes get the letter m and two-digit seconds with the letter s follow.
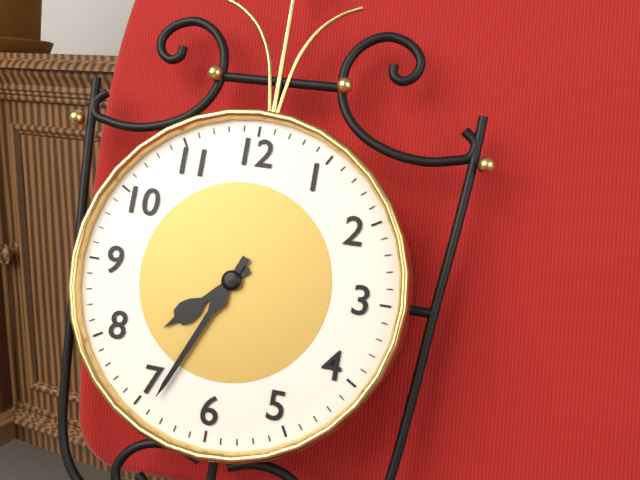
7h34
